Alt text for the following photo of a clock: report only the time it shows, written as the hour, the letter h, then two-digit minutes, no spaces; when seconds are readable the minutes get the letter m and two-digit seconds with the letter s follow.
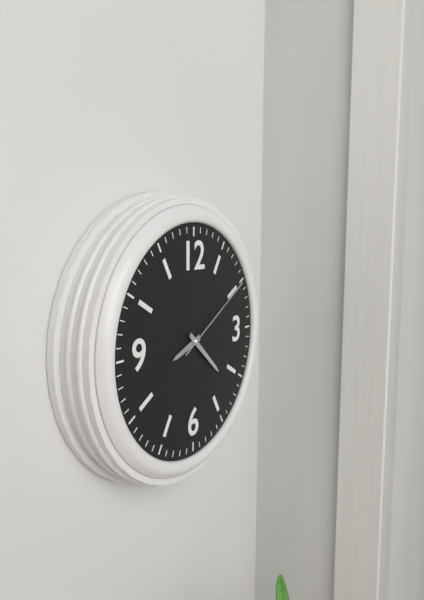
8h22m10s
